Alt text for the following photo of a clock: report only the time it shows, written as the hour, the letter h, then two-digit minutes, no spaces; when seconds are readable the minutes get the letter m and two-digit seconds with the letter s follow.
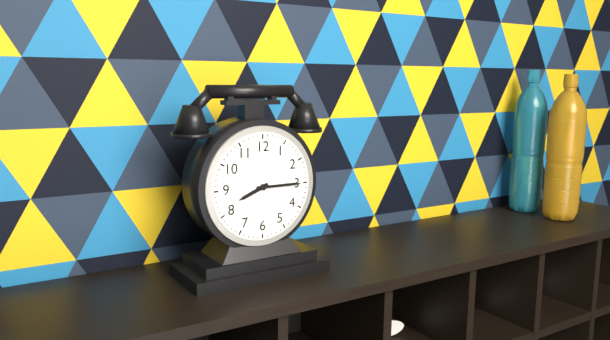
8h15
